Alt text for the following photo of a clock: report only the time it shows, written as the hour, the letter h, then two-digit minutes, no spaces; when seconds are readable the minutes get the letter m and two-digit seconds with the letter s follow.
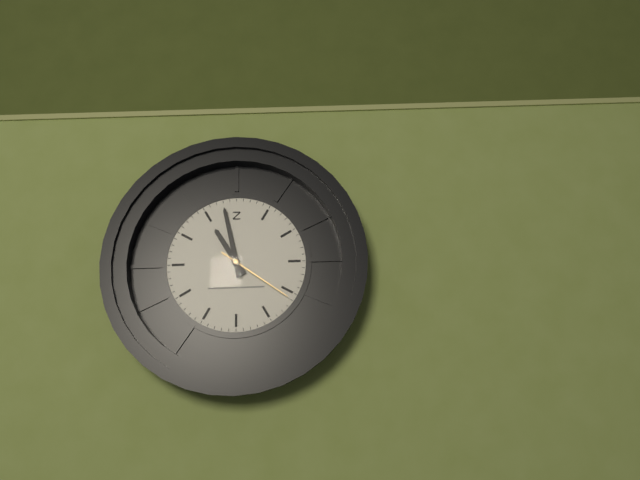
10h58m21s
